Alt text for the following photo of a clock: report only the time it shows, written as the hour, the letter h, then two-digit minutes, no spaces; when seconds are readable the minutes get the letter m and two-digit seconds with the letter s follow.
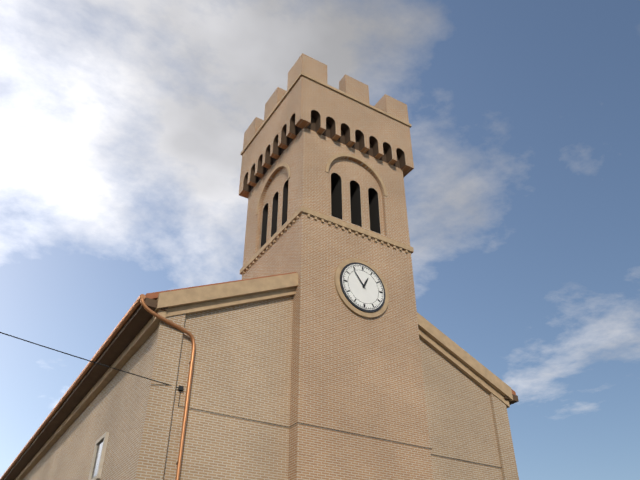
12h54
